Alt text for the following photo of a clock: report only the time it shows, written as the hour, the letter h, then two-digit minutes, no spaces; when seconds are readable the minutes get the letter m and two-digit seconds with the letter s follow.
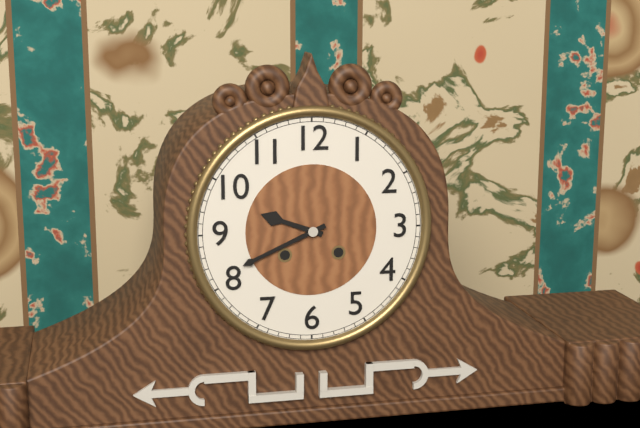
9h41
